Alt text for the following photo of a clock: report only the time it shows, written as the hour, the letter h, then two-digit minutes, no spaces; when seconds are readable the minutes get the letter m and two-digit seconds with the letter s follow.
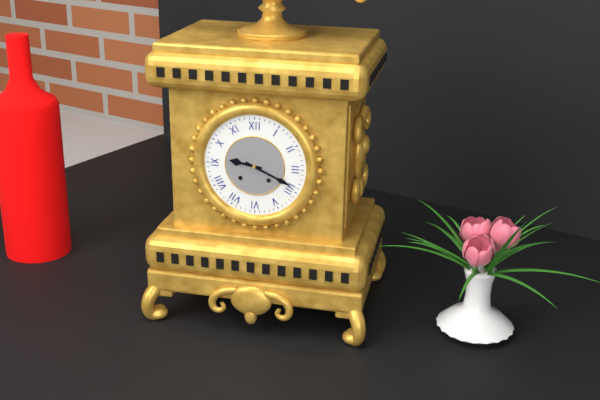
9h19
